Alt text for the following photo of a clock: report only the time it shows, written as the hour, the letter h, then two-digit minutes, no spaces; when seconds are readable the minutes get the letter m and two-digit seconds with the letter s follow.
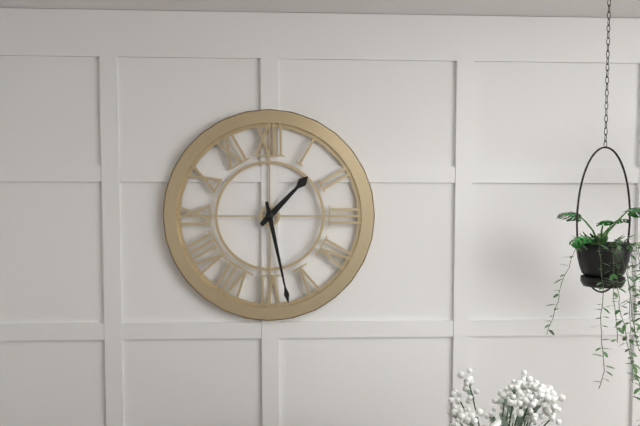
1h28
